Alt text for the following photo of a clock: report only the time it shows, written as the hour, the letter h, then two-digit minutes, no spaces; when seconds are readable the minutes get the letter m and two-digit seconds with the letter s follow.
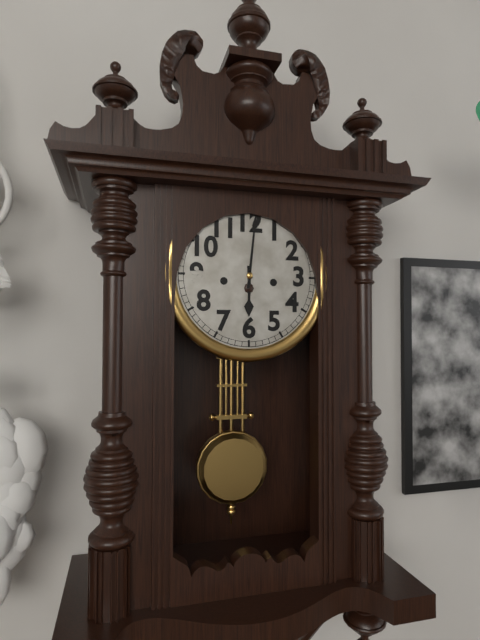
6h01
